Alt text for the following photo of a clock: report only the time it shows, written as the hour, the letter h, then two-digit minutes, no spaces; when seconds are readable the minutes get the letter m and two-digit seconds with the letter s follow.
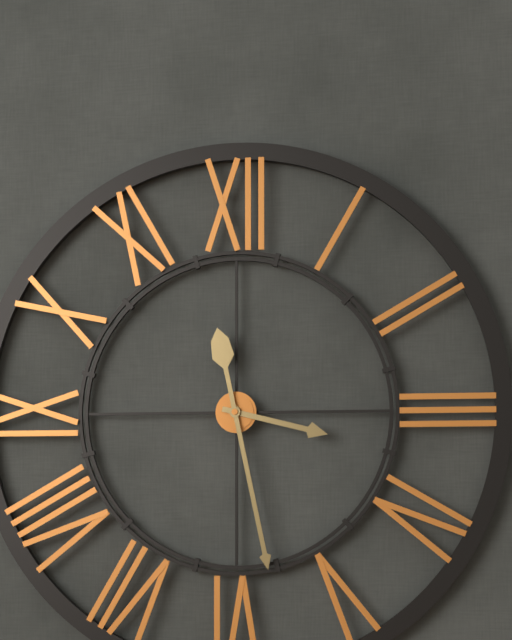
3h28
